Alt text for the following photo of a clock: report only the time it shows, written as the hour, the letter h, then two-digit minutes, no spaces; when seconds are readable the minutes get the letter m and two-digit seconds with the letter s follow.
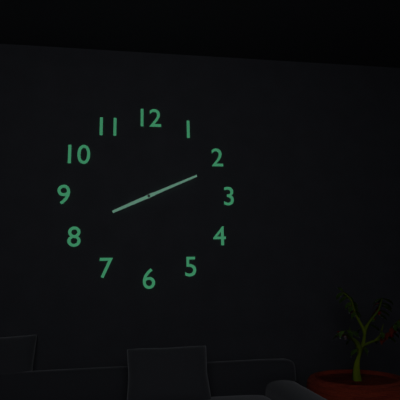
8h11
